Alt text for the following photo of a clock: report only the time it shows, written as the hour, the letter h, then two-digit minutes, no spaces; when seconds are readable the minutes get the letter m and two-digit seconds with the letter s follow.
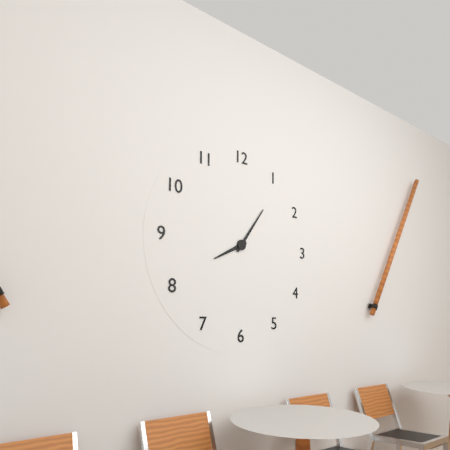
8h06
